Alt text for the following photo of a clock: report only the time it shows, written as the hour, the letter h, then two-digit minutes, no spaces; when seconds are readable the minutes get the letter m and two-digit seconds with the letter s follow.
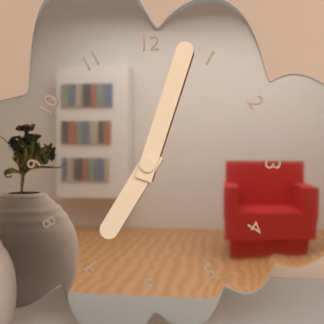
7h03
